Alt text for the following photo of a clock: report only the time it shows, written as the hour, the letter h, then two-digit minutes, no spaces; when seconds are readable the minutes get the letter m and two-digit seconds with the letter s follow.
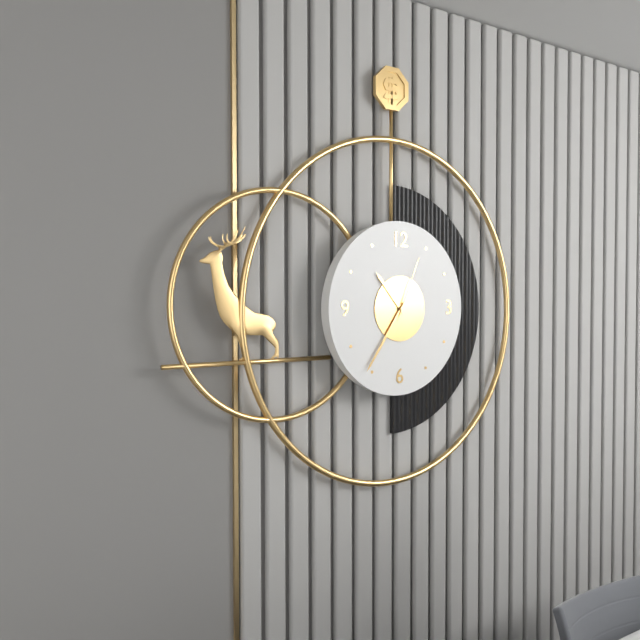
10h36m04s
